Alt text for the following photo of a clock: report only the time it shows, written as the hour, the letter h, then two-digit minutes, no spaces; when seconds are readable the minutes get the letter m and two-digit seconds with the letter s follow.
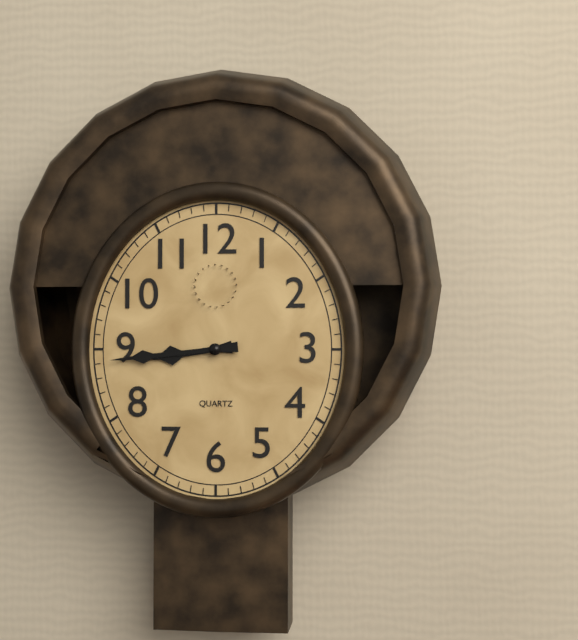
8h44
